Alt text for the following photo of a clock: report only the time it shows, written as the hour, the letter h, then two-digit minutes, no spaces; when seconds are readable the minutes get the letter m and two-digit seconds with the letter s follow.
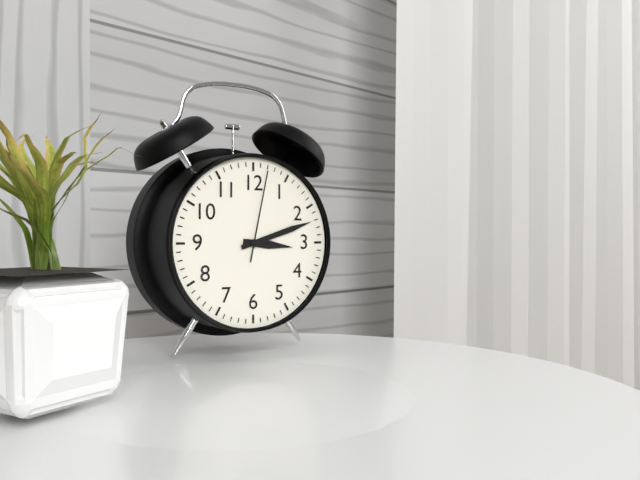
3h12m02s
